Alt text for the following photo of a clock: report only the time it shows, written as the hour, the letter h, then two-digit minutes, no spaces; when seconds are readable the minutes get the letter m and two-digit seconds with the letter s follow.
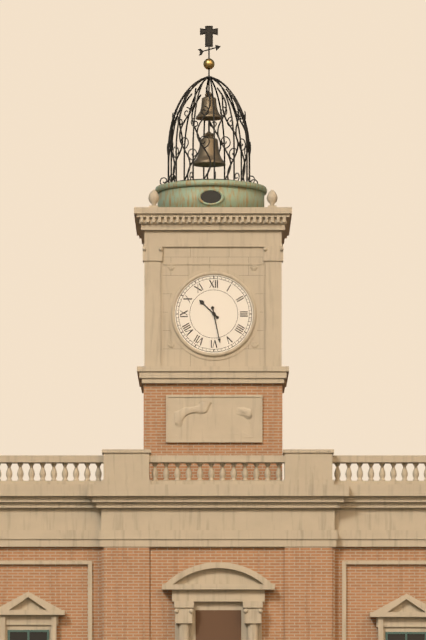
10h28
